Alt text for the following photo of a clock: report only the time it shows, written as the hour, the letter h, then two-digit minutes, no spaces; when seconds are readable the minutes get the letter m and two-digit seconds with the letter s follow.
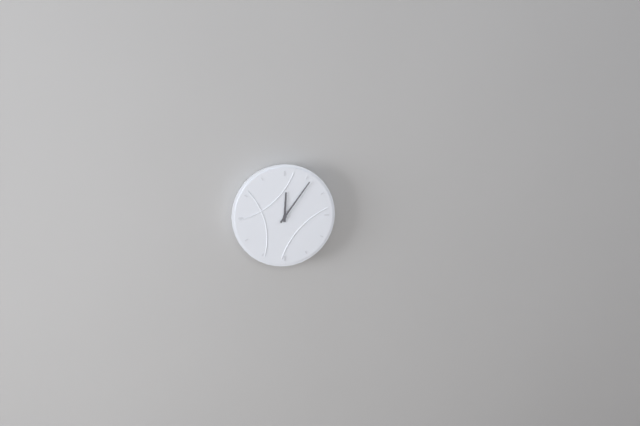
12h06
